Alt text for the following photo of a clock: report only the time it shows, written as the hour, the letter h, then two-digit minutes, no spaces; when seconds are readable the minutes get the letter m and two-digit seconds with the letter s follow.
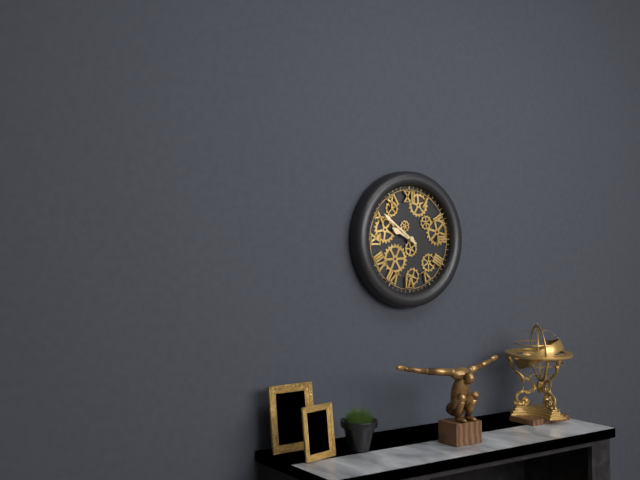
9h51
